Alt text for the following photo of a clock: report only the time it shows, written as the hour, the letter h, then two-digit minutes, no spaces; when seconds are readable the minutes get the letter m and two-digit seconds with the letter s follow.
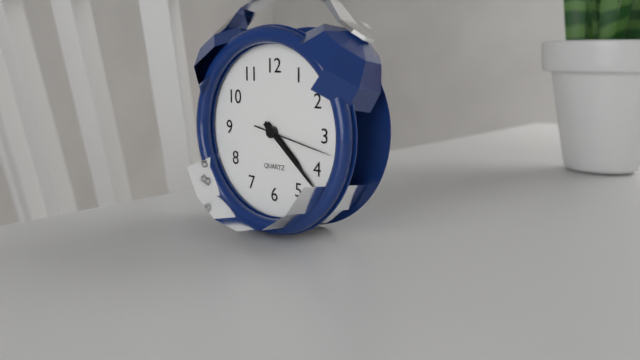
4h22m17s
